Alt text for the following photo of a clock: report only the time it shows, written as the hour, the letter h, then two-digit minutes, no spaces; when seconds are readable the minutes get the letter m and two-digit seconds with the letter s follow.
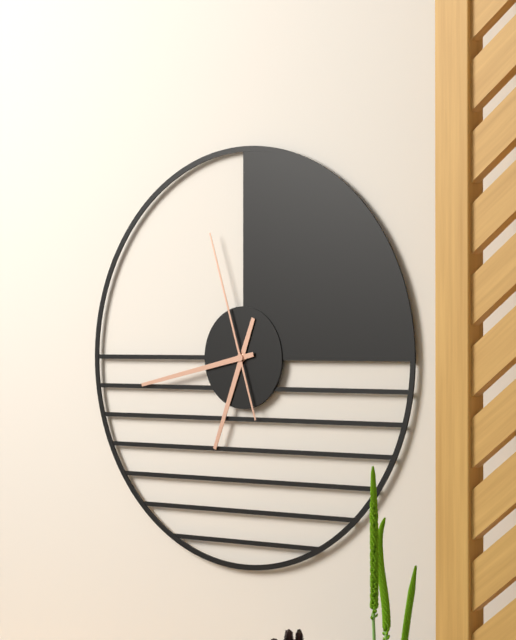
6h43m57s
